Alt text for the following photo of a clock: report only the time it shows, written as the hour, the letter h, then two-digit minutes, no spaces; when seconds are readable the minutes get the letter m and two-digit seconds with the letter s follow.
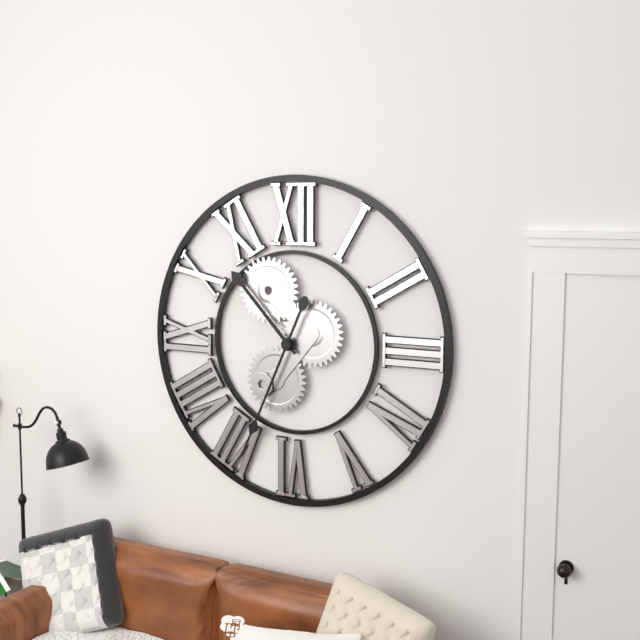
10h34
